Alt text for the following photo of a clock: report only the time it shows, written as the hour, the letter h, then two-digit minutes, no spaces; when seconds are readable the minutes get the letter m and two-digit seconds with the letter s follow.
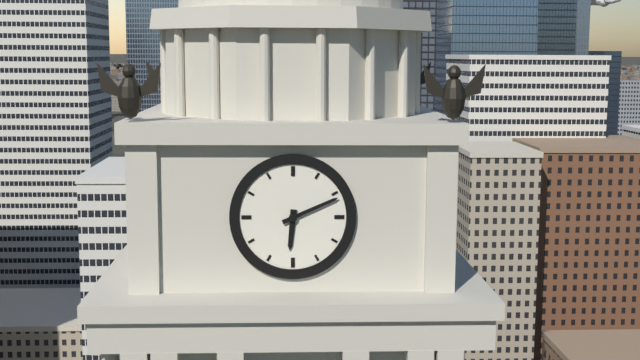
6h11
